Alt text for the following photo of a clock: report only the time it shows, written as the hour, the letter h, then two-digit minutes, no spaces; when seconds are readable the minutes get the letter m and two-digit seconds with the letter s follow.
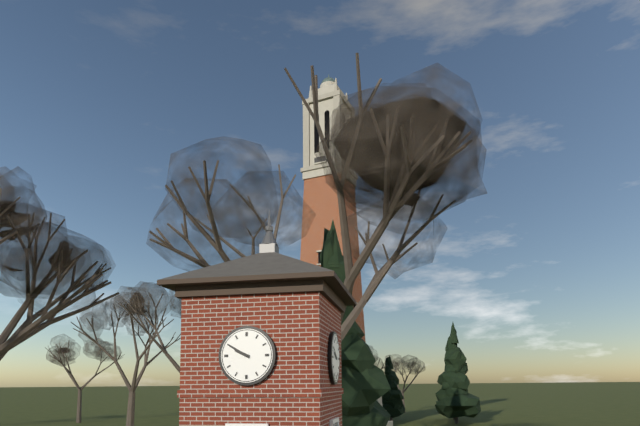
9h50
